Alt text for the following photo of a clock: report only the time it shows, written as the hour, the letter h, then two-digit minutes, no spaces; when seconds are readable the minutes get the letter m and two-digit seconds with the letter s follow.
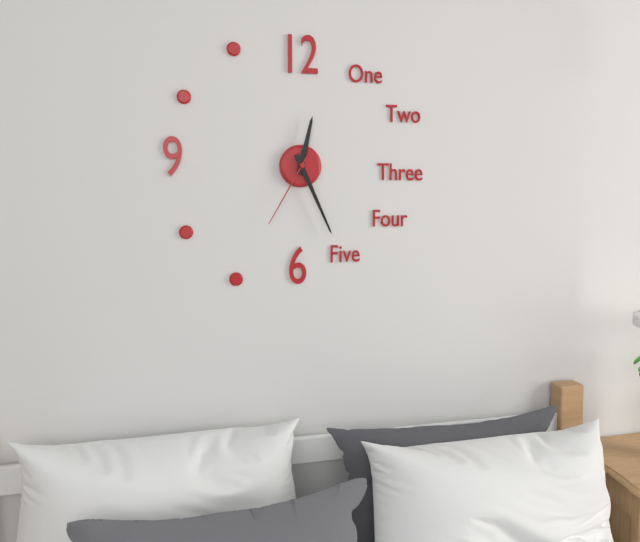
12h26m35s
